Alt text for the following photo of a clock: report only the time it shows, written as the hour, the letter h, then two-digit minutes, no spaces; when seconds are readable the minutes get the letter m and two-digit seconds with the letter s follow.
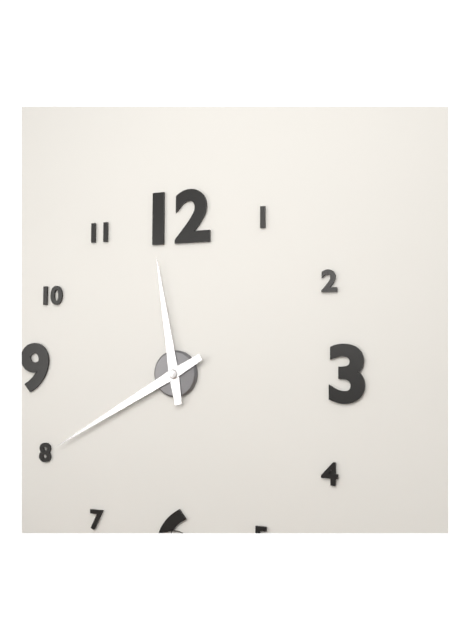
11h40
